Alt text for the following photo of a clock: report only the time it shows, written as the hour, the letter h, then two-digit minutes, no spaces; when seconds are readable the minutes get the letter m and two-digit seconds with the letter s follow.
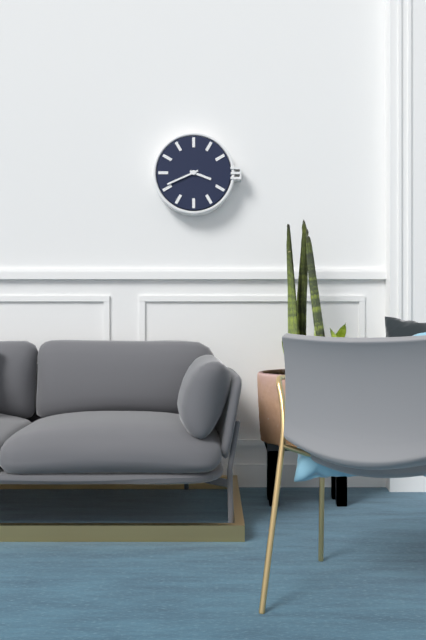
3h41
